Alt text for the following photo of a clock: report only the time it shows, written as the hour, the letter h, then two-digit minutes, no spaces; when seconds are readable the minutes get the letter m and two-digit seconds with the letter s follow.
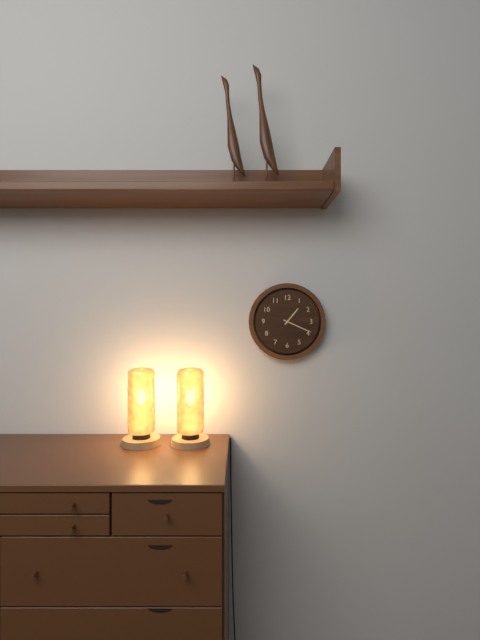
1h19
